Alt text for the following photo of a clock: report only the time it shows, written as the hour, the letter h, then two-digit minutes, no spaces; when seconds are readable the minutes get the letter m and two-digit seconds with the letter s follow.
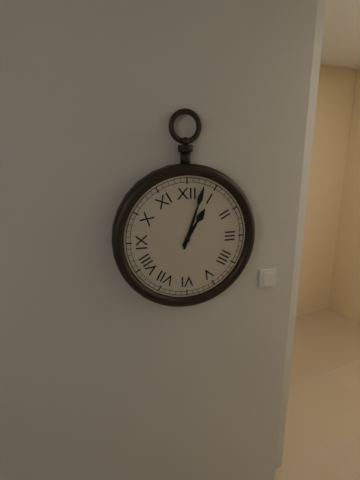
1h03
